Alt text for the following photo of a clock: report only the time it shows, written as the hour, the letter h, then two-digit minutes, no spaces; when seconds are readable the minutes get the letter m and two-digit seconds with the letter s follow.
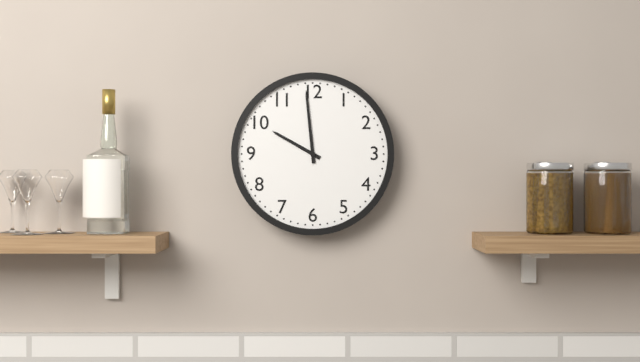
9h59
